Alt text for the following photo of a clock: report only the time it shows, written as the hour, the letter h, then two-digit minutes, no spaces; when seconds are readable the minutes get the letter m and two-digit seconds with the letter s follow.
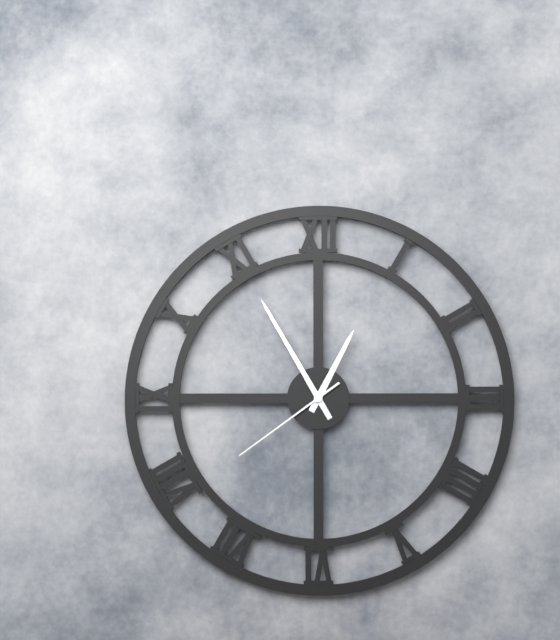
12h55m39s
